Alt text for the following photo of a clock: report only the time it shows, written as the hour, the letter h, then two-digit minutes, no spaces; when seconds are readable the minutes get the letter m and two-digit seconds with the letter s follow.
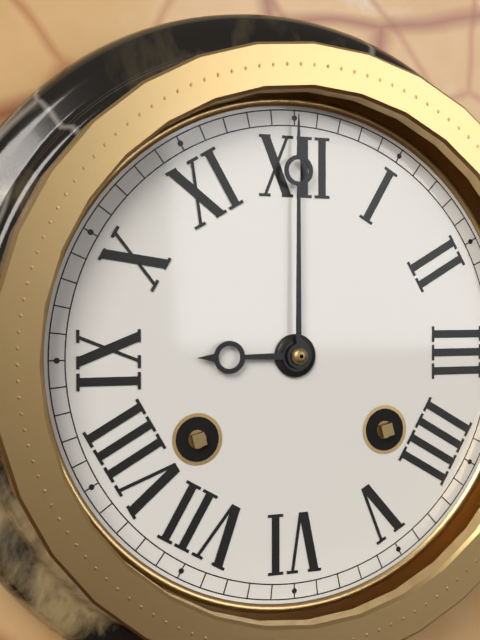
9h00
